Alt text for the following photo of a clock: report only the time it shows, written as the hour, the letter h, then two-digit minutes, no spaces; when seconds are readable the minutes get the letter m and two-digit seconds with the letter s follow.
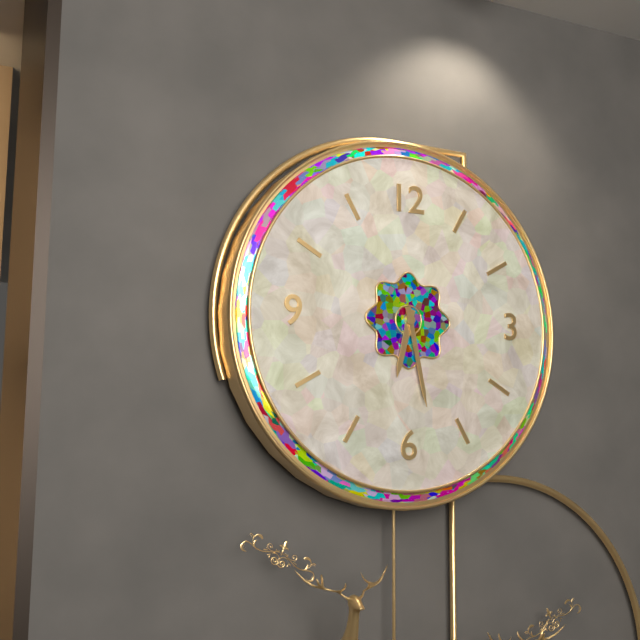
6h28
